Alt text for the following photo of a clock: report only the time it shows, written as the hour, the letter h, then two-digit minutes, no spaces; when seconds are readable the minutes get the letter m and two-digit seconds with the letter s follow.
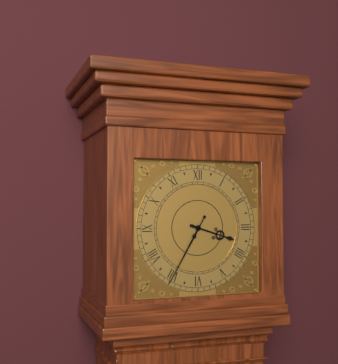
3h35
